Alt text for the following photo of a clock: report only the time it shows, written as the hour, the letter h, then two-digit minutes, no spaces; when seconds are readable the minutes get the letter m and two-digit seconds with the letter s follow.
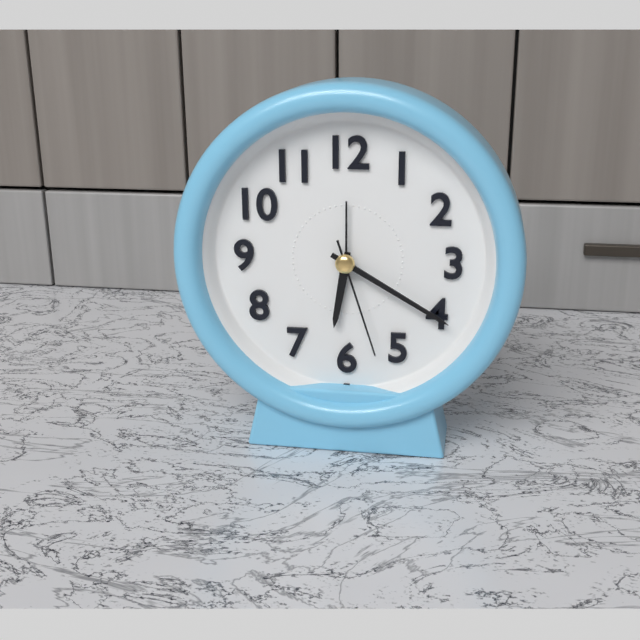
6h20m27s
